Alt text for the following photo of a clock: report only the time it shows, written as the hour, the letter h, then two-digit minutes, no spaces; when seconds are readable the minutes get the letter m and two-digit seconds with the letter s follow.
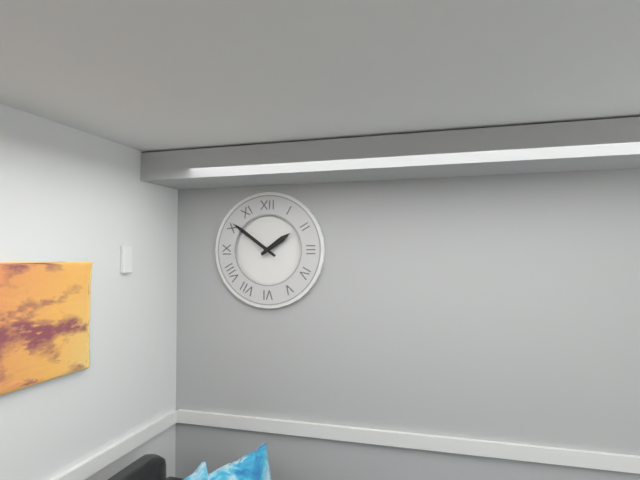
1h51
